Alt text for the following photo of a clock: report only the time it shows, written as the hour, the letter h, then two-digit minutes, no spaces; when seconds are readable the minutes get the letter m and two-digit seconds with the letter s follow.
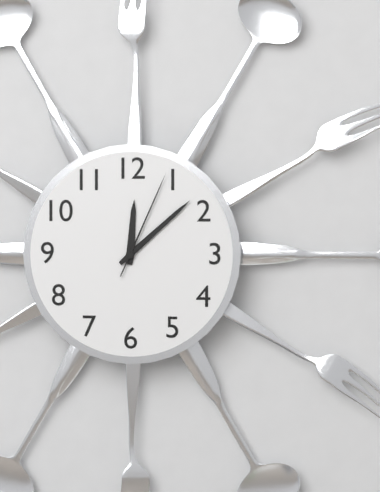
12h08m04s
